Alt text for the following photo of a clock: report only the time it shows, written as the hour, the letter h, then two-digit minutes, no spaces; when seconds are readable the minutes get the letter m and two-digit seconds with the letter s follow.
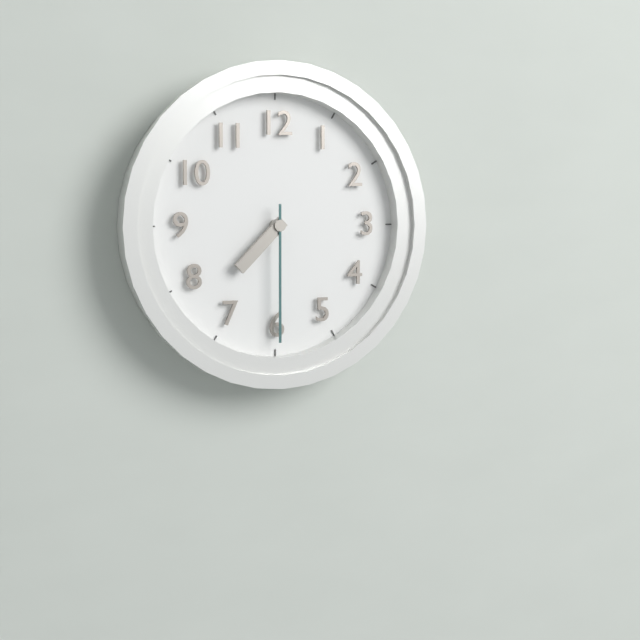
7h30
